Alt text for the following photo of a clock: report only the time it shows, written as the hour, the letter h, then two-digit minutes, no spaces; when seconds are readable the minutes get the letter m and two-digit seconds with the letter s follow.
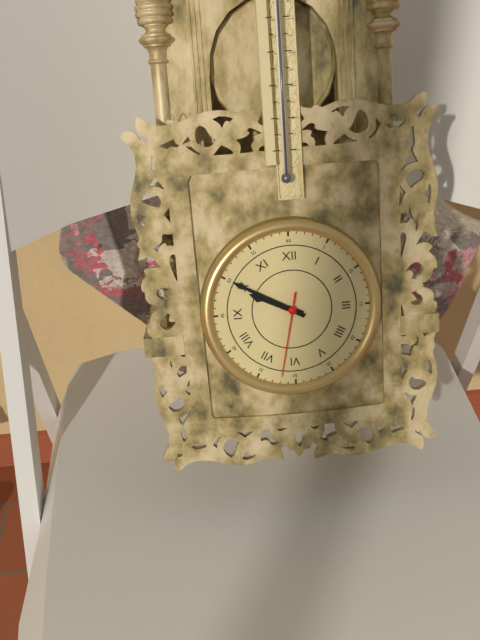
9h50m32s
